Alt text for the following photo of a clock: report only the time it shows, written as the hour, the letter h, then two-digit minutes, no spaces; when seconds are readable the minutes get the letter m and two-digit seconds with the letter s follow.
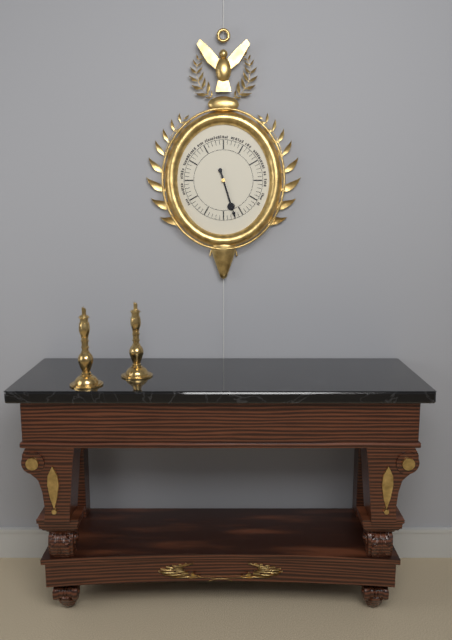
5h27
